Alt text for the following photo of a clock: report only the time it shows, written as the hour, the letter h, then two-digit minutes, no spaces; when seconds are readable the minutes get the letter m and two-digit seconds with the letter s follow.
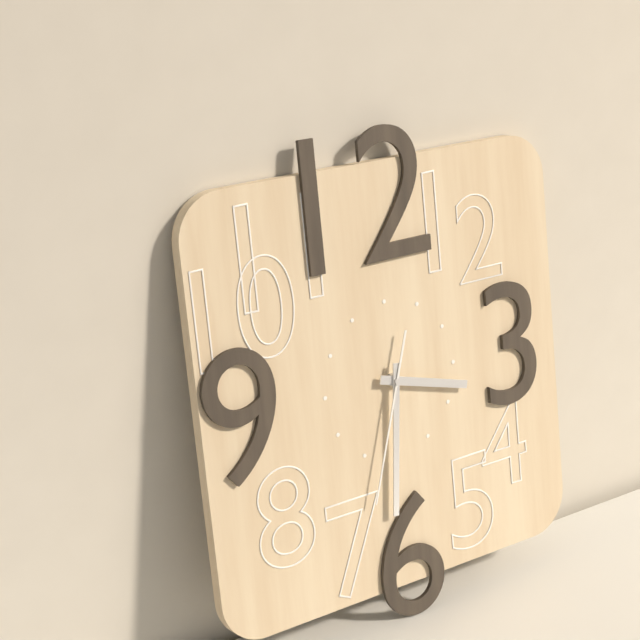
3h31m33s
